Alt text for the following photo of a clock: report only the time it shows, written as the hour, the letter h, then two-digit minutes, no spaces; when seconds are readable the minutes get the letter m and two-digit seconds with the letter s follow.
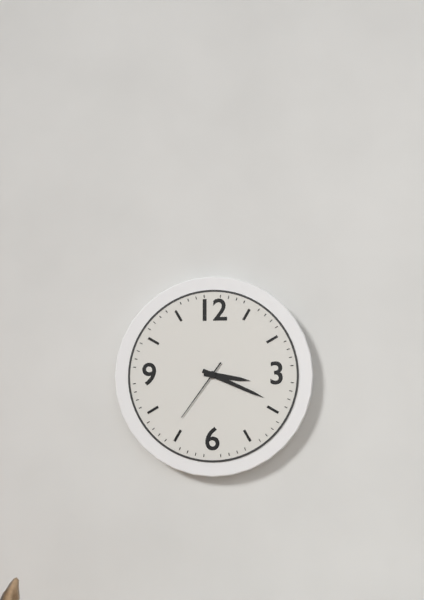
3h19m36s
